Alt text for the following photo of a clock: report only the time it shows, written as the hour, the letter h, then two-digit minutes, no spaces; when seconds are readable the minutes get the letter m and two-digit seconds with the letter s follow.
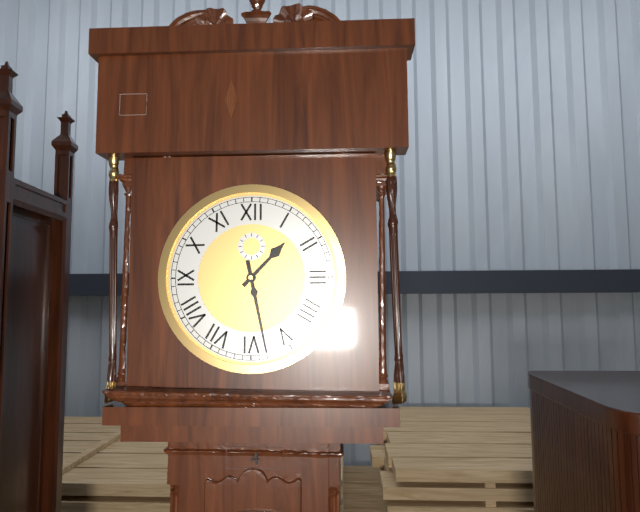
1h28
